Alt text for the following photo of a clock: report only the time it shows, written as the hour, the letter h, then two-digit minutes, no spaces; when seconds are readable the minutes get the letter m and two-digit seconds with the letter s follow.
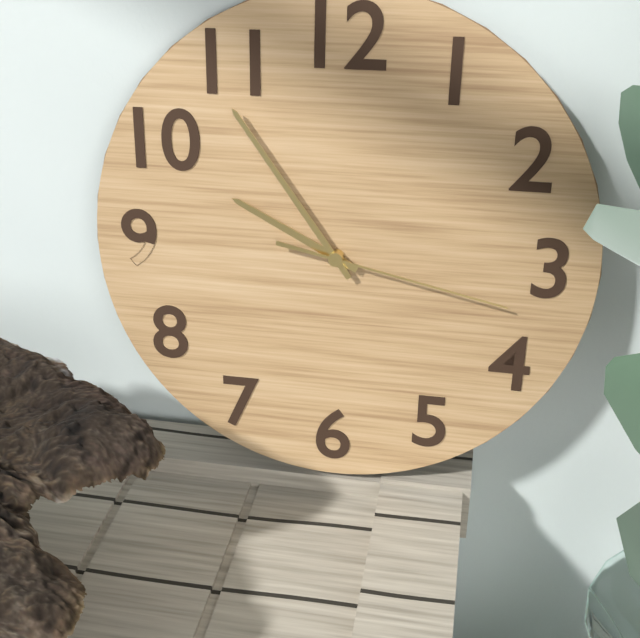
9h54m17s
